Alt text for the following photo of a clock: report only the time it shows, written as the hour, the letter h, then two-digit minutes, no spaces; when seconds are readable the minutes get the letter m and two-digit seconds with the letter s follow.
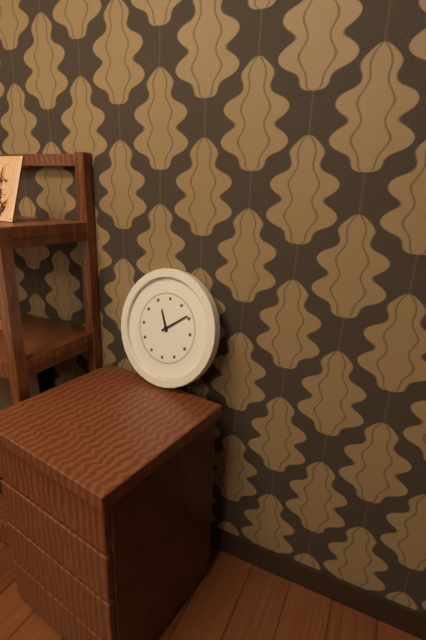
11h09
